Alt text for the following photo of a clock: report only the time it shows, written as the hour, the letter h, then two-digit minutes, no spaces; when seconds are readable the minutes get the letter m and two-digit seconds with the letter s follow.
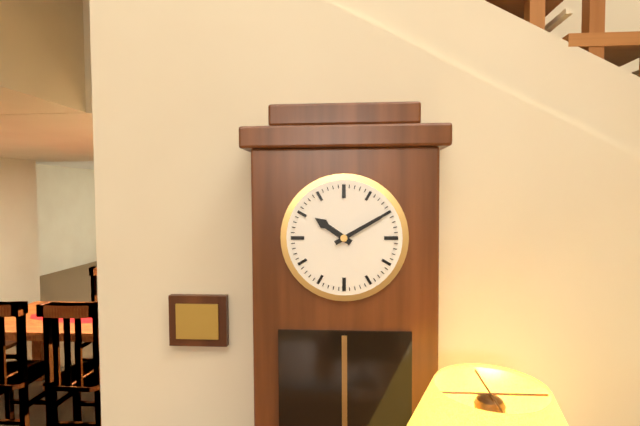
10h10
